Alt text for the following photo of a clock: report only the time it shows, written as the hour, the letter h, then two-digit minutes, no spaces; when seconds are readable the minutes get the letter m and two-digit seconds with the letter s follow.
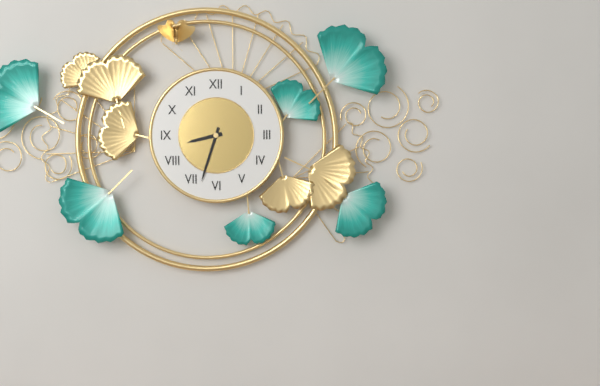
8h33
